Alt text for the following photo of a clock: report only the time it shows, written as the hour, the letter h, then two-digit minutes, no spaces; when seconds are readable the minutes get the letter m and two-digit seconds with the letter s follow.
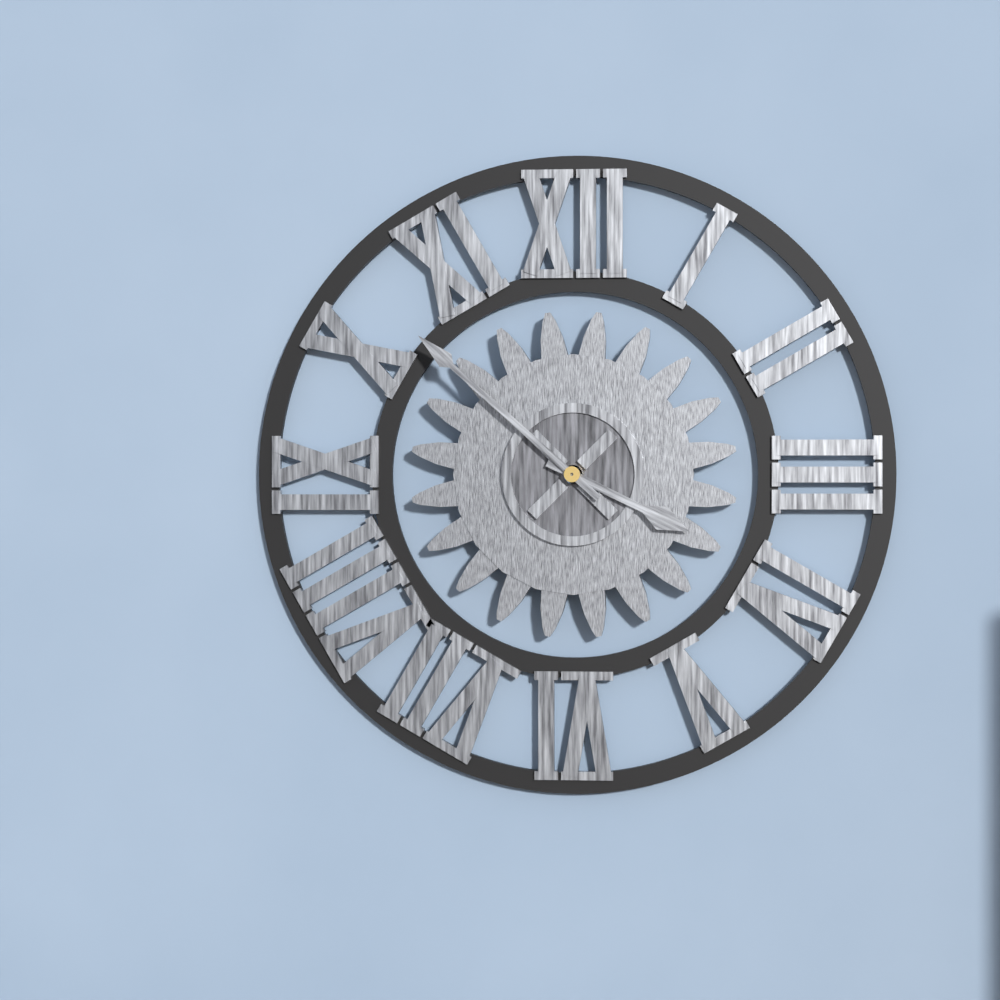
3h52
